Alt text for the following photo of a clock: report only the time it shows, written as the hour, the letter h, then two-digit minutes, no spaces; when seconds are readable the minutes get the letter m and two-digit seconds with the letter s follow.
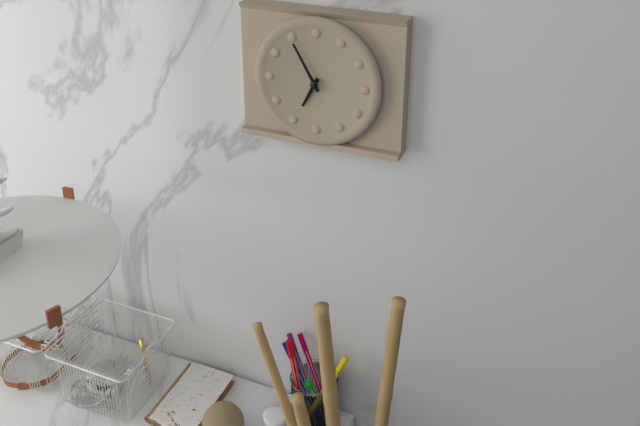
6h55
